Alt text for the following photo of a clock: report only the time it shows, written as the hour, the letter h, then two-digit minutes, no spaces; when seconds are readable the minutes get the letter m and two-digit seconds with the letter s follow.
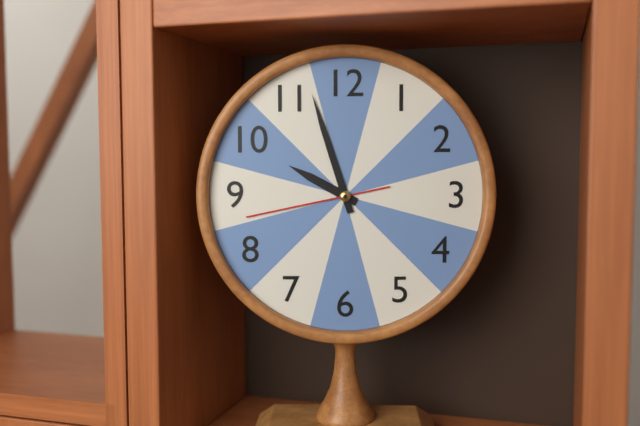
9h57m43s
